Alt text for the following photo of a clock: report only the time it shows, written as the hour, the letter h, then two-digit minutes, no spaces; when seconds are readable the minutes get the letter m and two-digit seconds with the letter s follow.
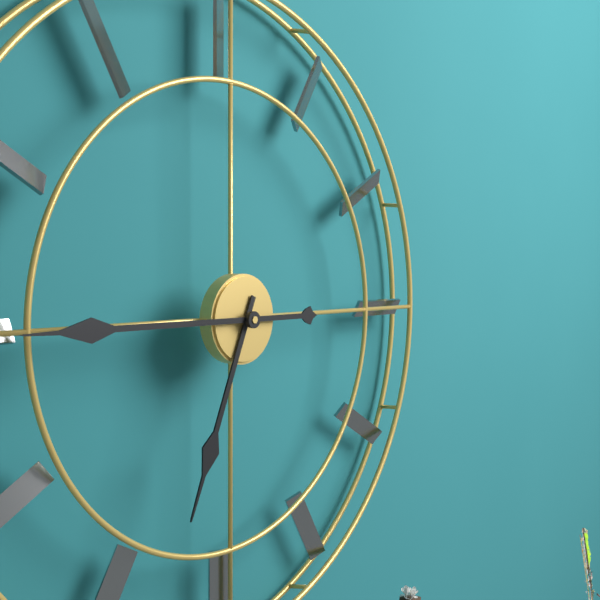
6h45
